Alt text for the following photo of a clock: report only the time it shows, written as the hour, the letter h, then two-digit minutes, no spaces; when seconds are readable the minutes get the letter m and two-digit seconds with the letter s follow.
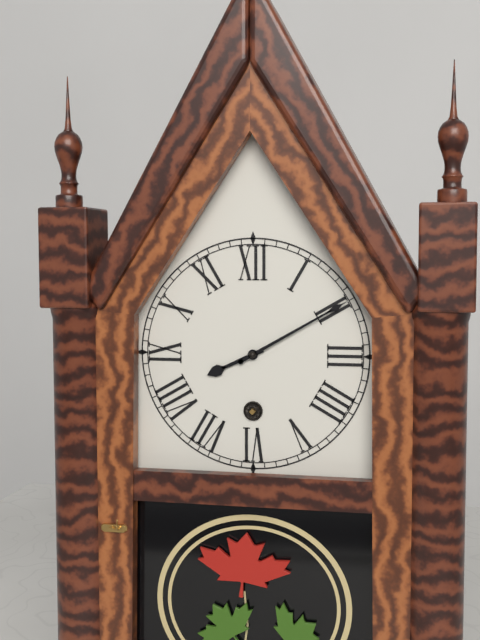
8h10
